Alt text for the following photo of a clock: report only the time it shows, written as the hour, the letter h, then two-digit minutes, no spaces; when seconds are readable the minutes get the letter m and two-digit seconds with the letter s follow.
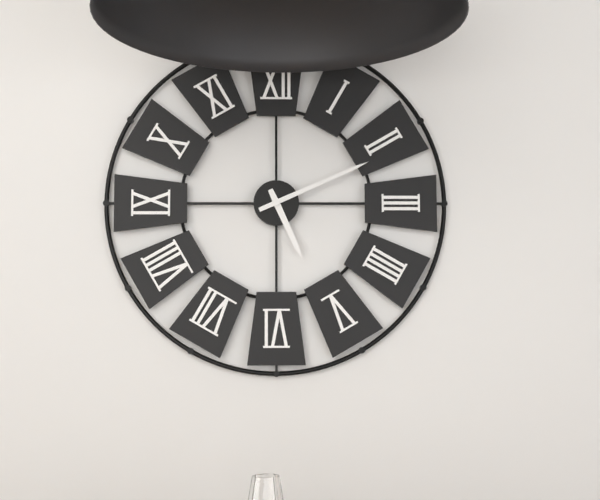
5h11
